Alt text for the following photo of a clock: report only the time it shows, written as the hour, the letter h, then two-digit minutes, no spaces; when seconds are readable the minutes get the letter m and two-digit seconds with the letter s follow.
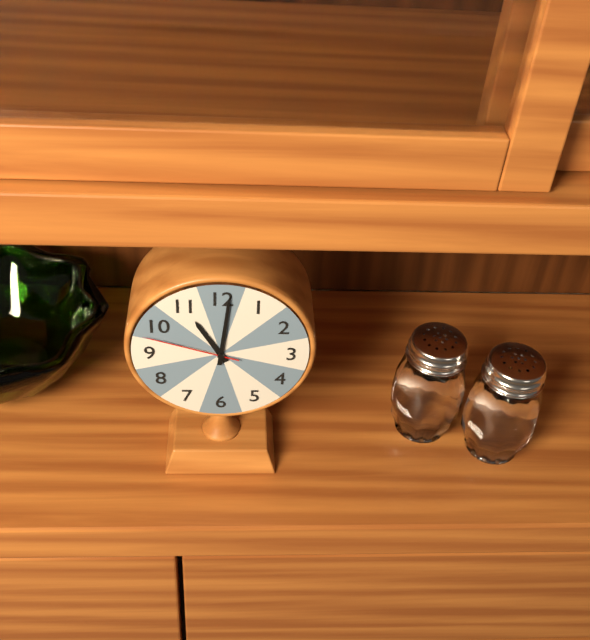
11h01m48s
